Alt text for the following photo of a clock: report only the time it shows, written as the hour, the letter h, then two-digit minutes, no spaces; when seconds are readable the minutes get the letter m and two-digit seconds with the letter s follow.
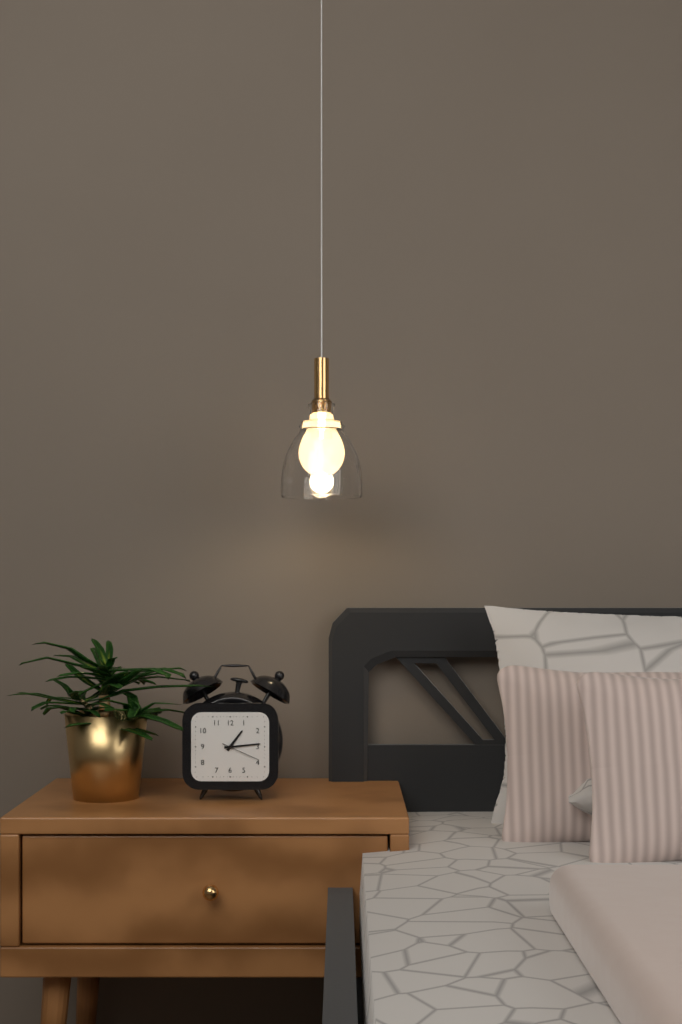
1h14
